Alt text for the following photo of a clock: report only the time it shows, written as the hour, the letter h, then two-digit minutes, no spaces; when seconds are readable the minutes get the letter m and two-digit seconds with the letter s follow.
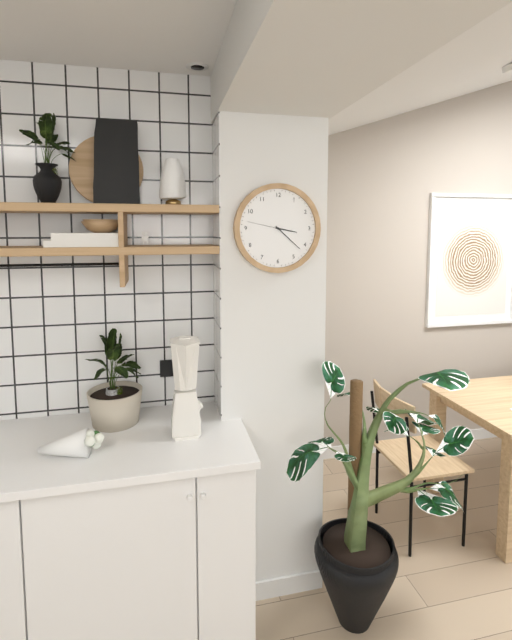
3h22
